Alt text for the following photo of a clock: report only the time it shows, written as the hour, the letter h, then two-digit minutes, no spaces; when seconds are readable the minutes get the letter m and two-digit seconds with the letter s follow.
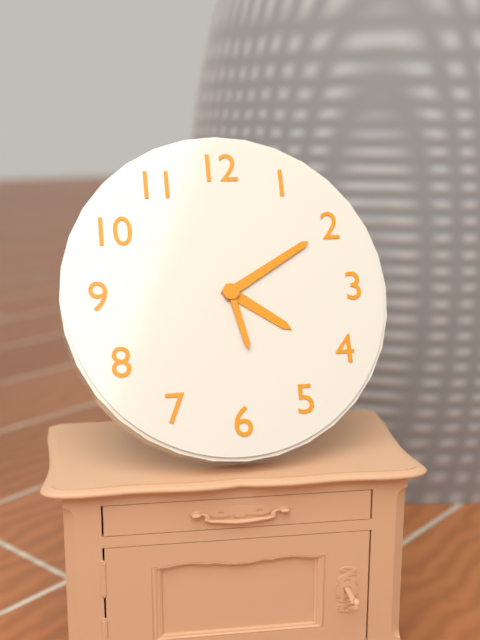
4h10m28s
